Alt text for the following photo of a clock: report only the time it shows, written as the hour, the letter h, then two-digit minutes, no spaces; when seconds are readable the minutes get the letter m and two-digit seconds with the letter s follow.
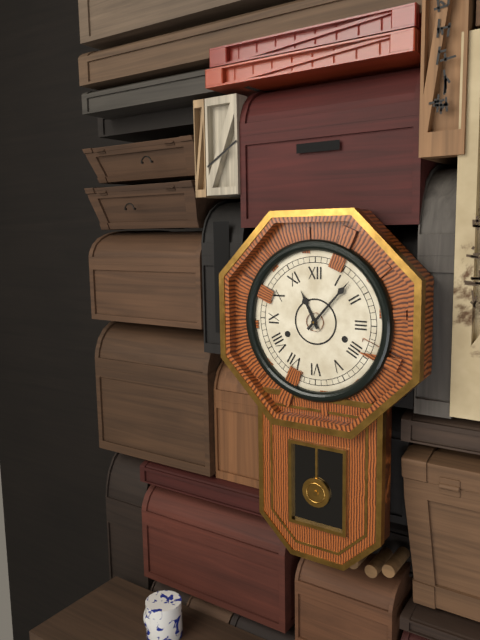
11h07
